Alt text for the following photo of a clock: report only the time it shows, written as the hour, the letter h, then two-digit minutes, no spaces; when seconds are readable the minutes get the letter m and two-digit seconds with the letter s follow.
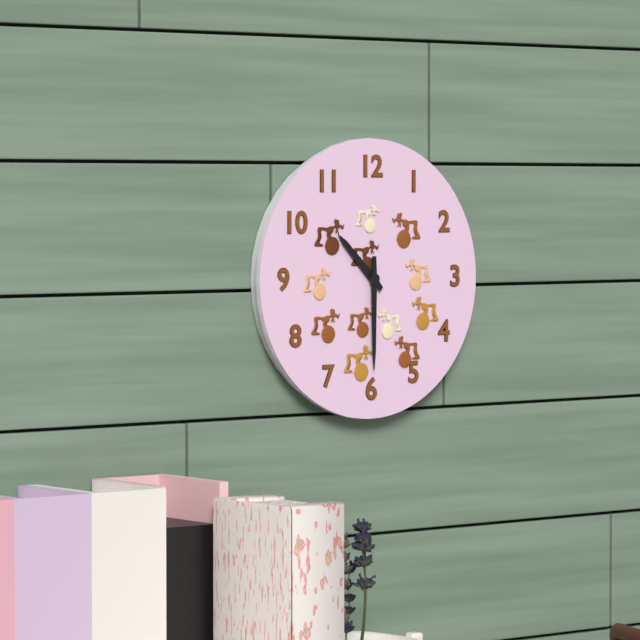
10h30
